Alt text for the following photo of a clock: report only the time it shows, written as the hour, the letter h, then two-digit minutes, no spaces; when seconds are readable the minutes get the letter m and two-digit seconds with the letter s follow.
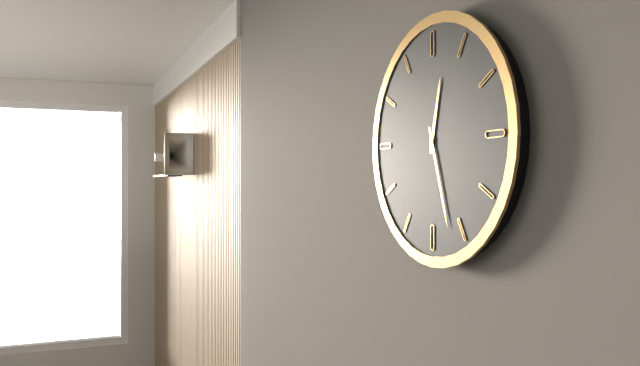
12h27
